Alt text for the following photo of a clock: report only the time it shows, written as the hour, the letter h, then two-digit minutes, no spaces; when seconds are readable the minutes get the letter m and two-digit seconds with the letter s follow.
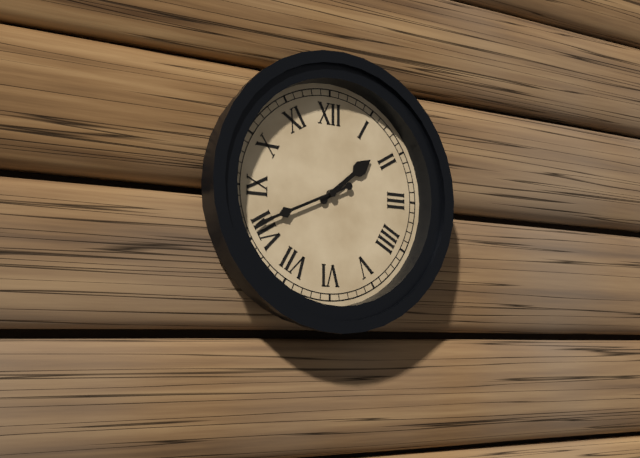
1h41
